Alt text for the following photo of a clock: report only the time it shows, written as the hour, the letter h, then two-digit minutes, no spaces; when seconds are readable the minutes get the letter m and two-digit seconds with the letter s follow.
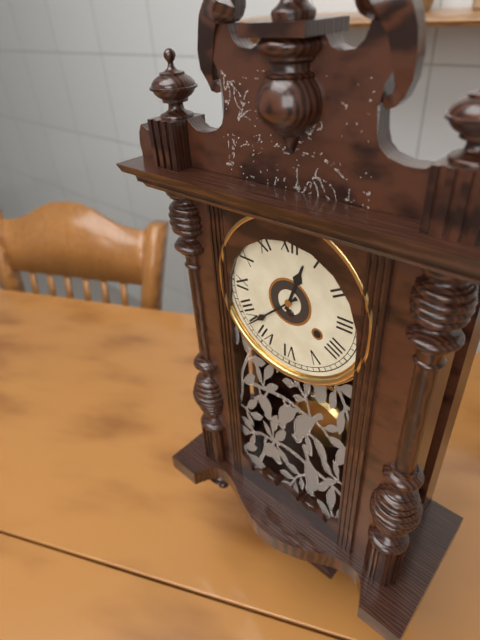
12h38
